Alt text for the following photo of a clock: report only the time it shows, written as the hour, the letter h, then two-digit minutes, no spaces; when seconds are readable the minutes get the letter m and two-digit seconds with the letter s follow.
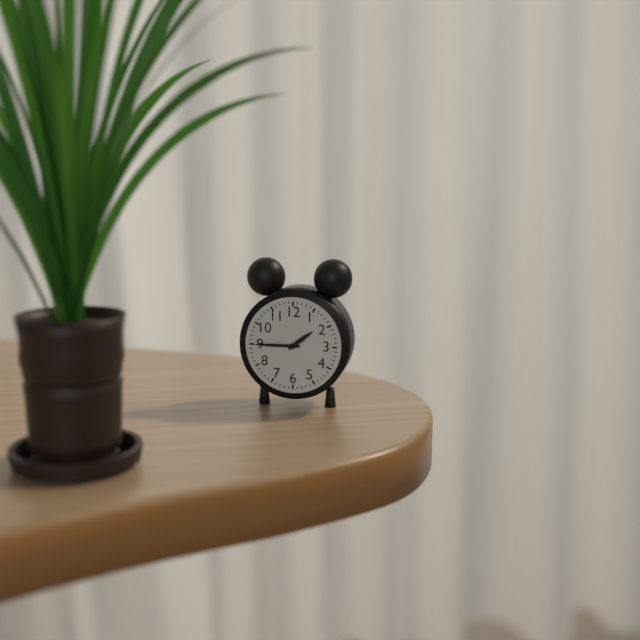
1h45
